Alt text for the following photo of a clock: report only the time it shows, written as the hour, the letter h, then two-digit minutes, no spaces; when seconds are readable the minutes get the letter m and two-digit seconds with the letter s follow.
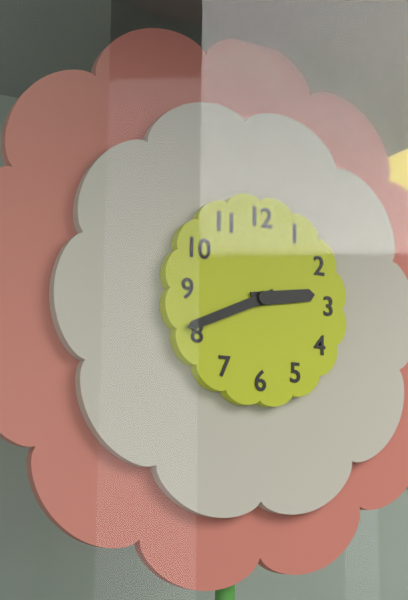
2h41
